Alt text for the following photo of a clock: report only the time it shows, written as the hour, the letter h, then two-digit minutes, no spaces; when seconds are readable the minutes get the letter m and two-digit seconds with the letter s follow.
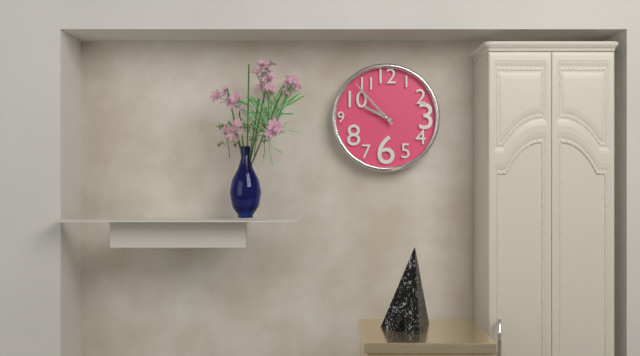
9h53
